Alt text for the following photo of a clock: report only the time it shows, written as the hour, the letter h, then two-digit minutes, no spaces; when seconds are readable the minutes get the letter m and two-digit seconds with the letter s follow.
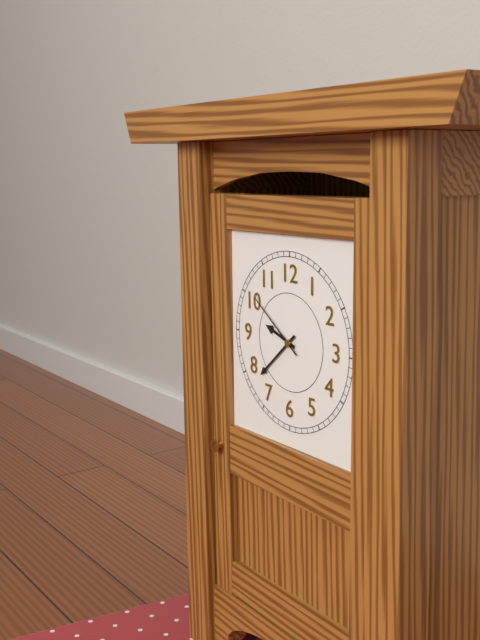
9h38m51s
